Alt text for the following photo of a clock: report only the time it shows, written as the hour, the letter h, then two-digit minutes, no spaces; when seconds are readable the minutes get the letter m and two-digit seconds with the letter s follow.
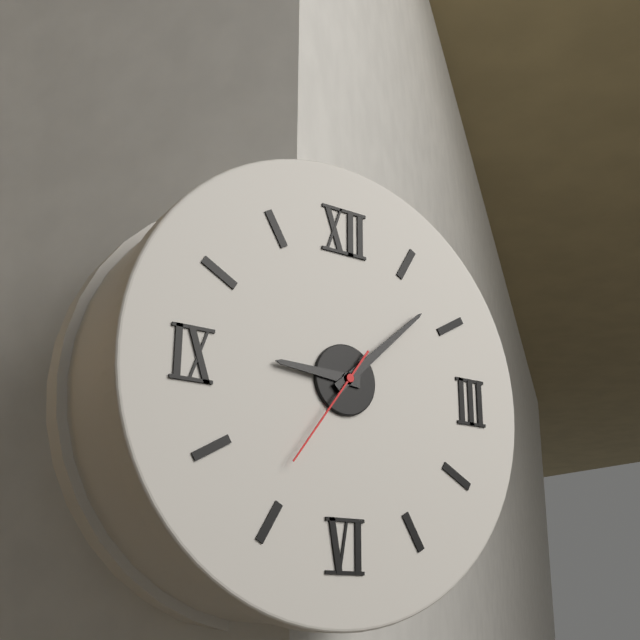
9h08m36s
